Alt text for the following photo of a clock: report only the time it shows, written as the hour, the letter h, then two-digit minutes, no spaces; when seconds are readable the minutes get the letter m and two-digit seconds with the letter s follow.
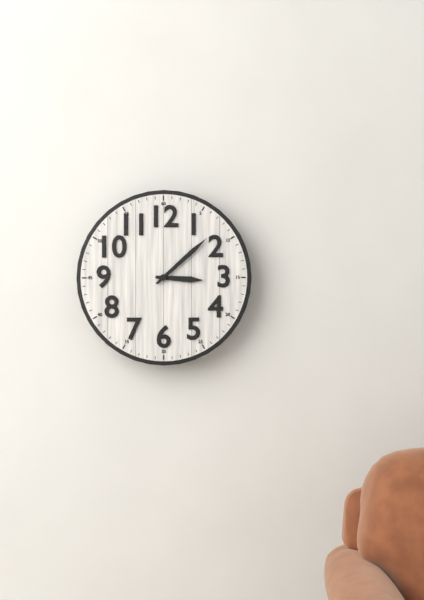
3h08
